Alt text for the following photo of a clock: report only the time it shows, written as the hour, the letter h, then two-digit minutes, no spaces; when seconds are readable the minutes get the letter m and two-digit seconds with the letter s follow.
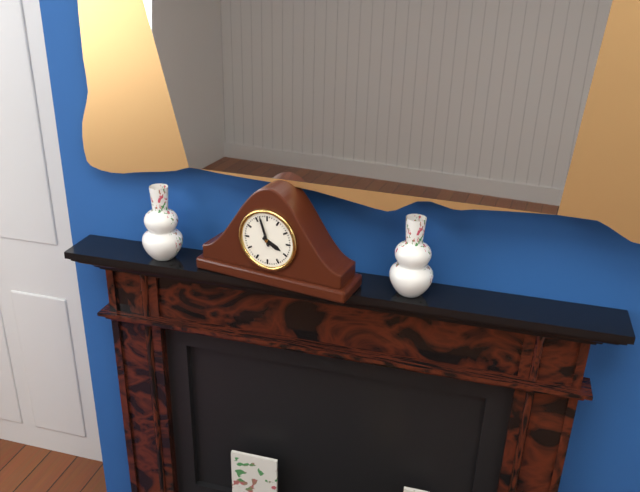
3h57
